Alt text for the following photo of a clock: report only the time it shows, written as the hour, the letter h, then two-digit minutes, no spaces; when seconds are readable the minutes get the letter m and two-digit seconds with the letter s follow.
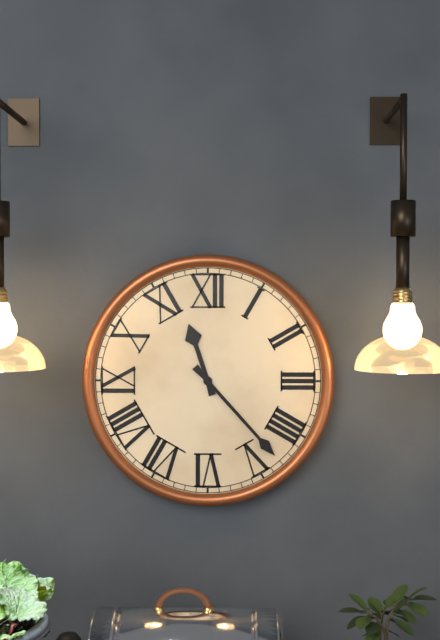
11h23
